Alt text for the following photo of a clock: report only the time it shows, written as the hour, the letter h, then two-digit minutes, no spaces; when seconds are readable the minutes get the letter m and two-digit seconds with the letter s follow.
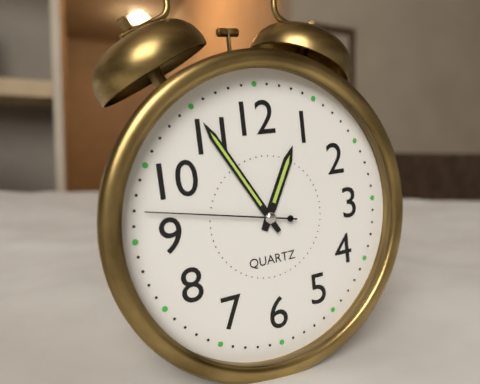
12h55m47s
